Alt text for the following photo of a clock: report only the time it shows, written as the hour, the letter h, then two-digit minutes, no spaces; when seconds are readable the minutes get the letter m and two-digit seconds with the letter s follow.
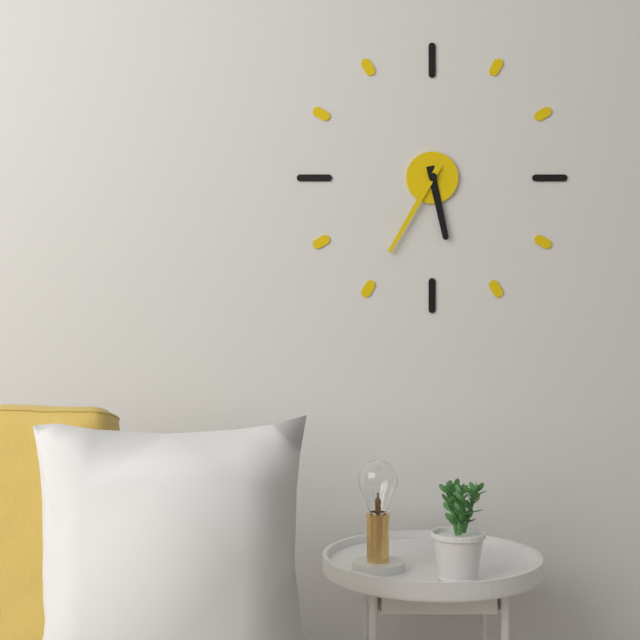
5h35
